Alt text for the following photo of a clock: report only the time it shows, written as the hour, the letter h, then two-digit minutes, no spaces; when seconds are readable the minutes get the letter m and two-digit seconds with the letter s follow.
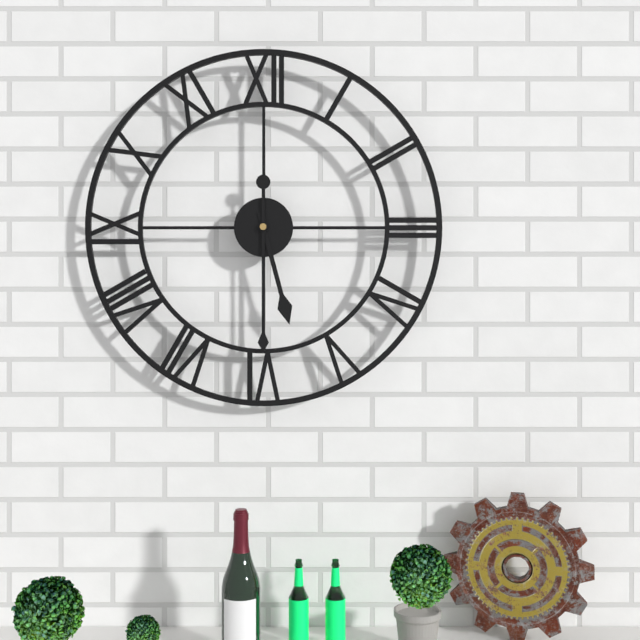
5h30
